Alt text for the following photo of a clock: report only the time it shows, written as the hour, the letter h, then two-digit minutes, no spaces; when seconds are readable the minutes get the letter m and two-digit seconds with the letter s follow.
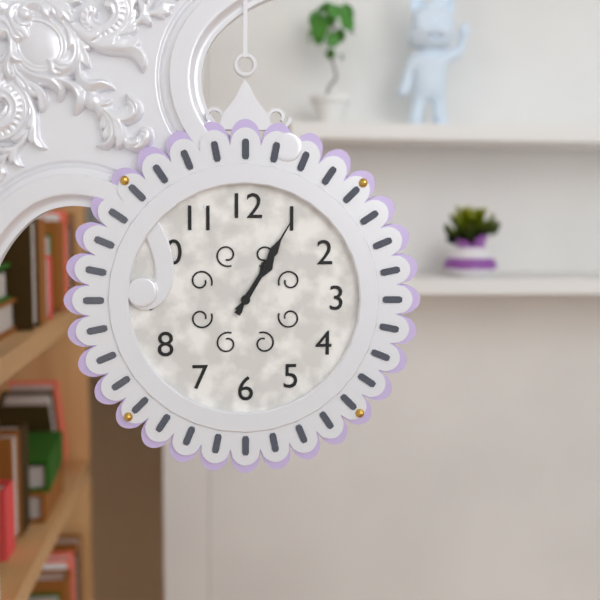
1h05
